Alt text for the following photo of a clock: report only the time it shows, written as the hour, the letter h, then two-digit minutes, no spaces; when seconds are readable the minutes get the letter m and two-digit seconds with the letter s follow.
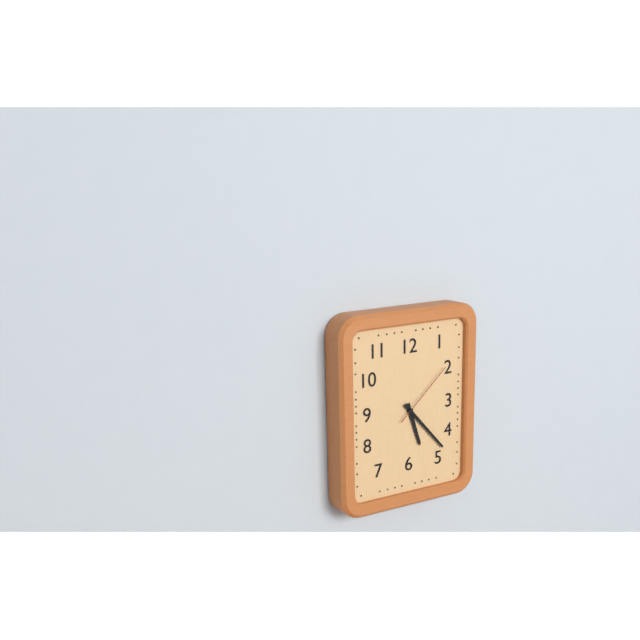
5h23m08s
